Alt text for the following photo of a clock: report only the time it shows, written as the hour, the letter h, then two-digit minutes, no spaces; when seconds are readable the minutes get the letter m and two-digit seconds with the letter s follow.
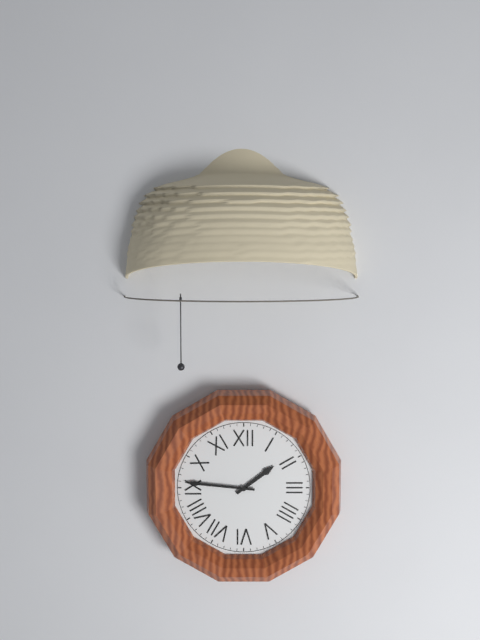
1h46
